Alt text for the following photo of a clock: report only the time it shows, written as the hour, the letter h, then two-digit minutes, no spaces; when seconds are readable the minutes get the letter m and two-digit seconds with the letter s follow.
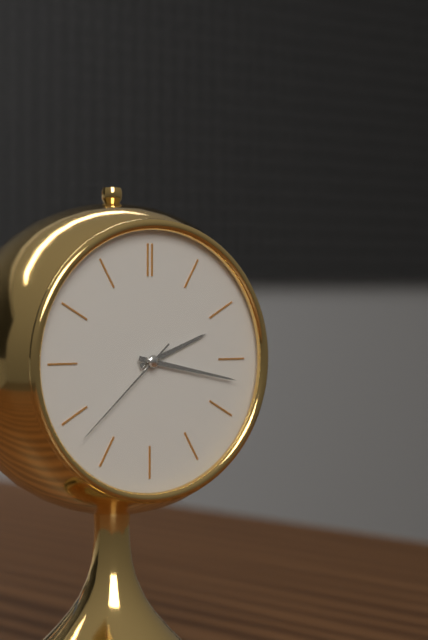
2h17m38s
